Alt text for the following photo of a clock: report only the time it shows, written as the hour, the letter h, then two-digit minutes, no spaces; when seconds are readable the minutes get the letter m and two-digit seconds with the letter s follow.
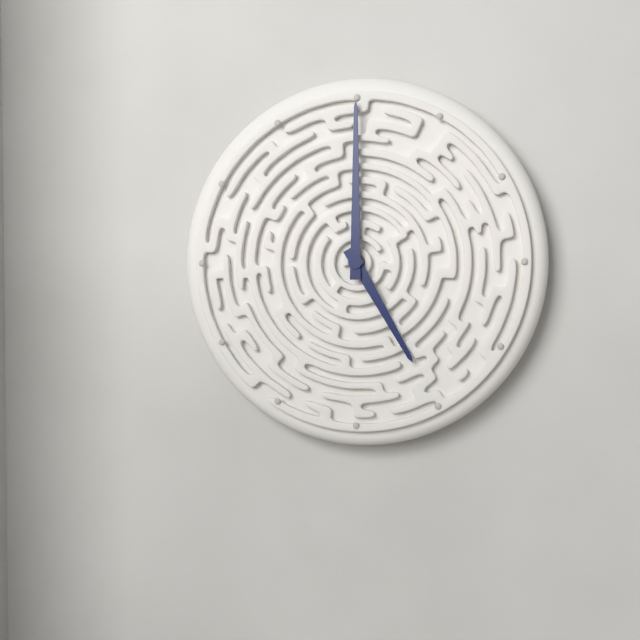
5h00
